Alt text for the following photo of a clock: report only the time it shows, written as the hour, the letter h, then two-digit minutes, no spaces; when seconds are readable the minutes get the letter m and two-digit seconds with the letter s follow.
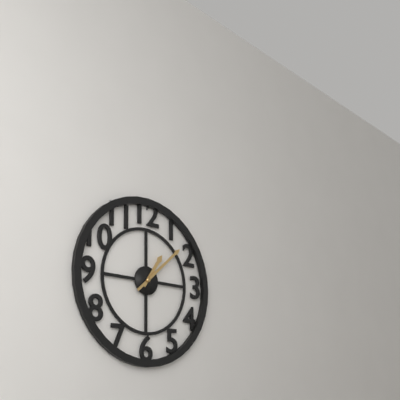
1h08
